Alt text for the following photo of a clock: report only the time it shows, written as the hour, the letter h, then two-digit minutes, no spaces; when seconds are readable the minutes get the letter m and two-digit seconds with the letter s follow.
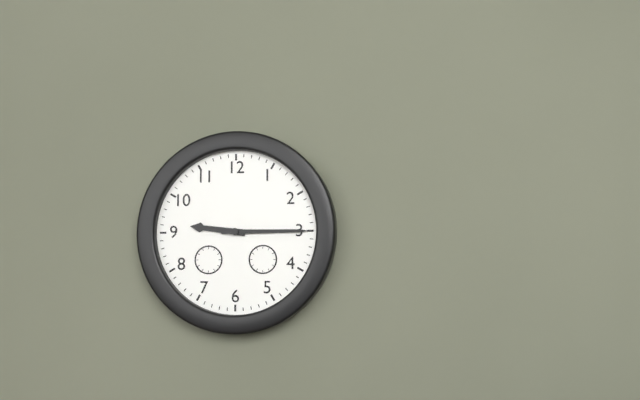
9h15
